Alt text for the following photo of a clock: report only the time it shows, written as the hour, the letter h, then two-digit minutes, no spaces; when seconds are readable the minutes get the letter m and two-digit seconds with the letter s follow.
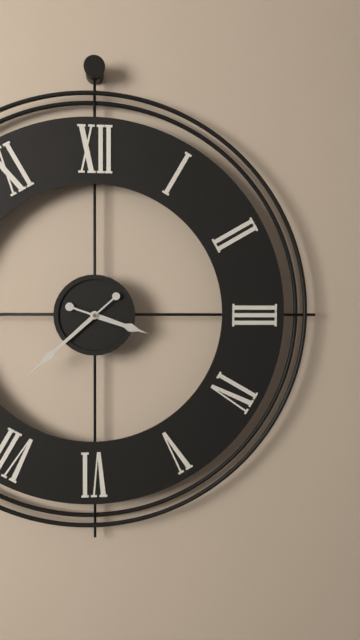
3h38
